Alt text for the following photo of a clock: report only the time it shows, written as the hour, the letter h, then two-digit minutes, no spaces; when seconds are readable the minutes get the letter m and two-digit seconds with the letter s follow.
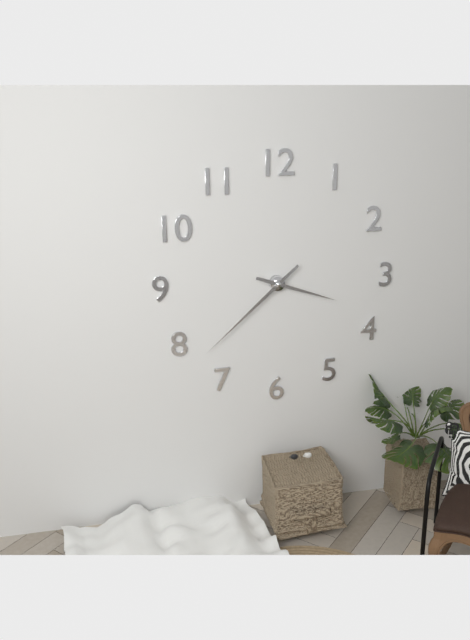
3h38
